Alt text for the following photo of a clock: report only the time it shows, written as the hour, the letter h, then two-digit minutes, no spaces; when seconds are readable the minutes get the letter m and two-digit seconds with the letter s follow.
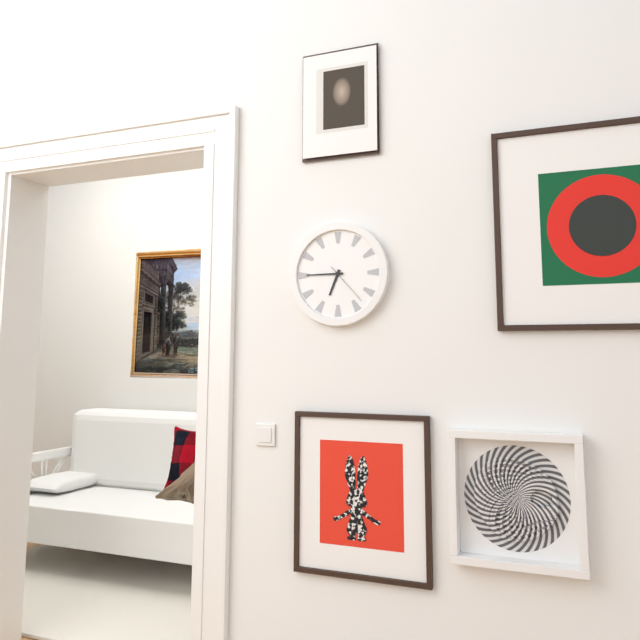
6h45
